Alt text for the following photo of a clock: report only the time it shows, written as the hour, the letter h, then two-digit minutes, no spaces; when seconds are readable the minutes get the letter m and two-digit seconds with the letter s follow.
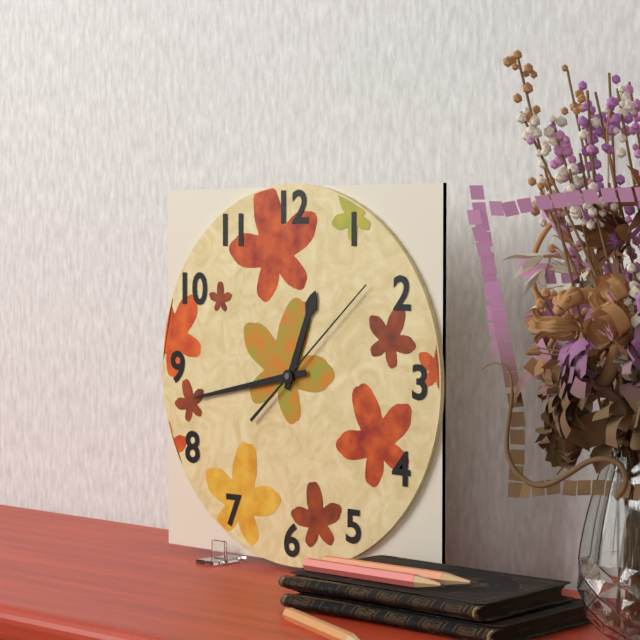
12h43m08s
